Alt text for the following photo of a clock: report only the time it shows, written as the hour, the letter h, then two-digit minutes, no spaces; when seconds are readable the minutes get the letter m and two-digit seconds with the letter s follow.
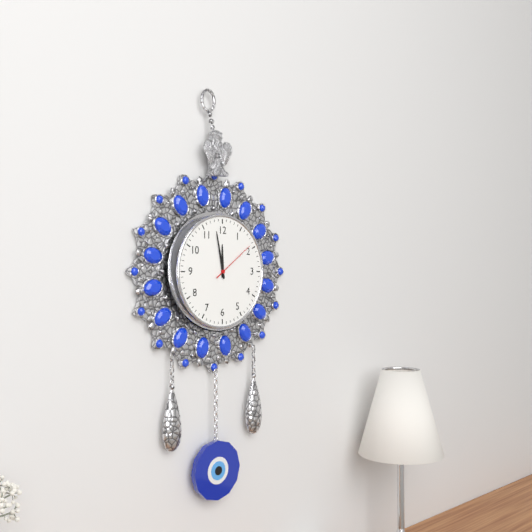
11h58
